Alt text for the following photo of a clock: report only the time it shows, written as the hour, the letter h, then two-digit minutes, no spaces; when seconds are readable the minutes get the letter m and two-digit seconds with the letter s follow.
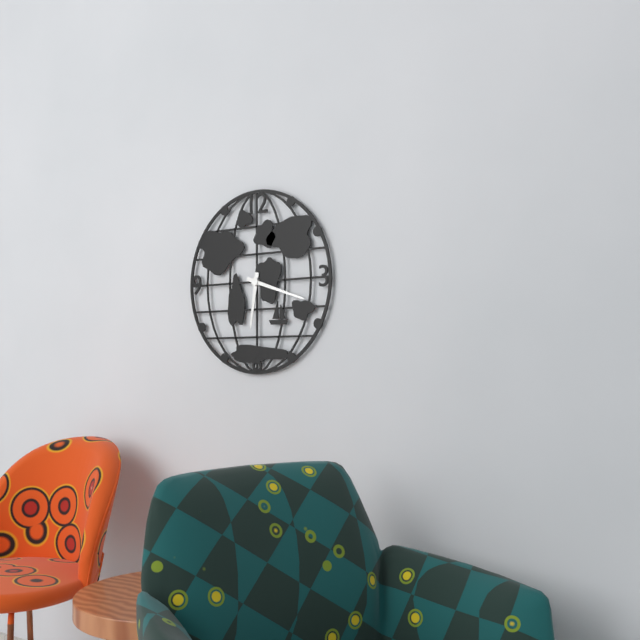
6h18
